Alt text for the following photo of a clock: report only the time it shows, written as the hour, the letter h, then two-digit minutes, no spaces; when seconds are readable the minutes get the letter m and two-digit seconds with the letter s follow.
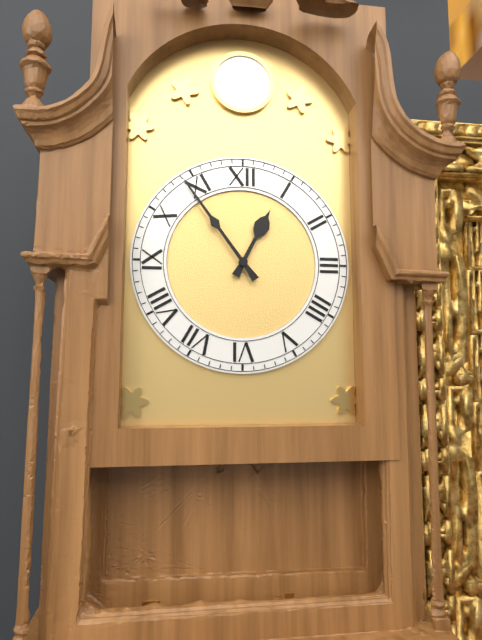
12h54
